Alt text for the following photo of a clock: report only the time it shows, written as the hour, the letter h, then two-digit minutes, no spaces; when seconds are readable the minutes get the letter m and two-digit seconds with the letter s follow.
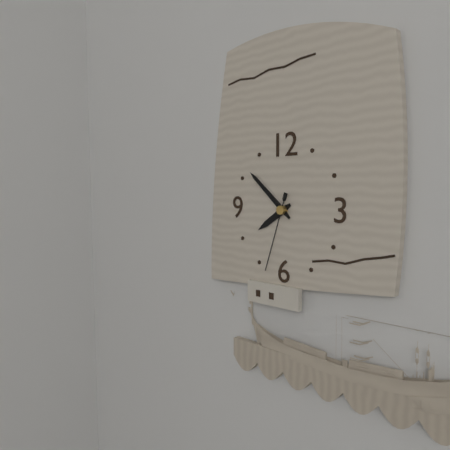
7h52m33s
